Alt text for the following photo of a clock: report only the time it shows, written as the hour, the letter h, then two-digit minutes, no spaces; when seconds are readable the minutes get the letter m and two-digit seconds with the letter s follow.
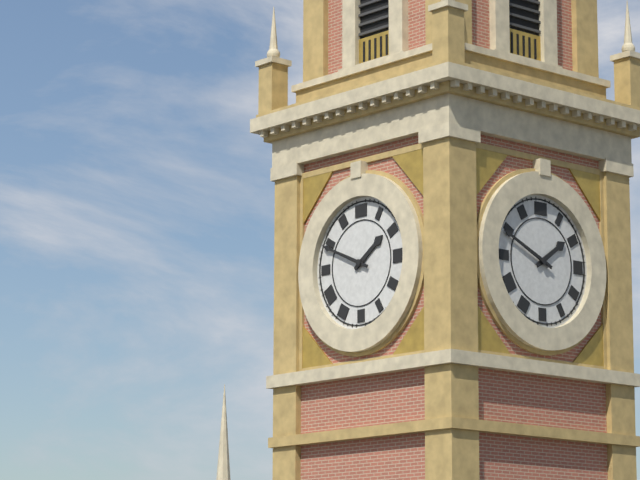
1h49
